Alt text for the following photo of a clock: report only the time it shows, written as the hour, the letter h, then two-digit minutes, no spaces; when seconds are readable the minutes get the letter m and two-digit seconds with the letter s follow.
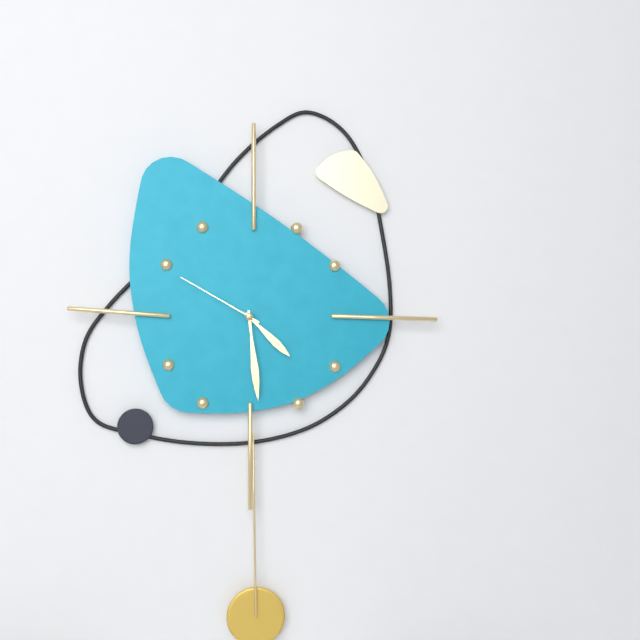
4h29m50s
